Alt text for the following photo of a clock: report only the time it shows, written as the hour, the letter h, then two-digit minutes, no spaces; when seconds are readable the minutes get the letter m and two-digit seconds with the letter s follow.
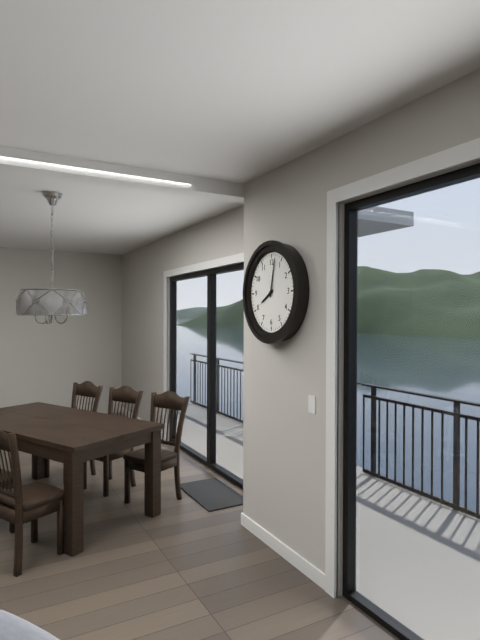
8h02
